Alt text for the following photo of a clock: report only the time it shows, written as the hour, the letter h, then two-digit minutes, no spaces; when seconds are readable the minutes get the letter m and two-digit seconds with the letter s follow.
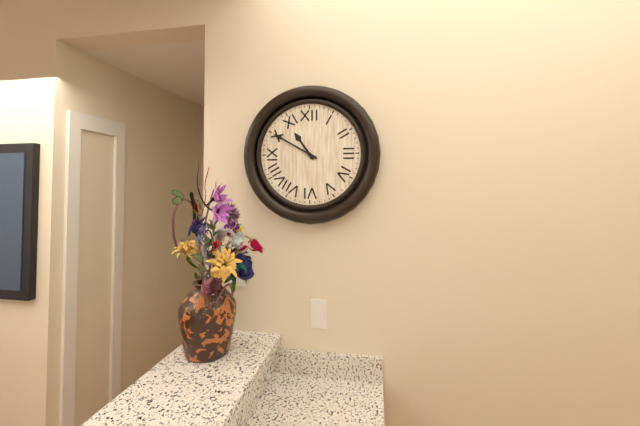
10h50
